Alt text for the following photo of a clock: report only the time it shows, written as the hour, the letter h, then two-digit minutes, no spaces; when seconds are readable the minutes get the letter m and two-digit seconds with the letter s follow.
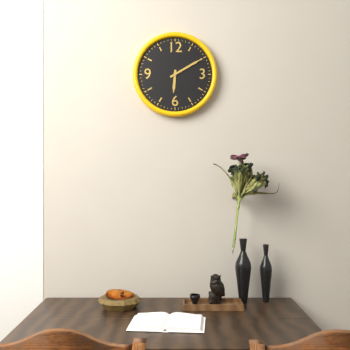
6h10
